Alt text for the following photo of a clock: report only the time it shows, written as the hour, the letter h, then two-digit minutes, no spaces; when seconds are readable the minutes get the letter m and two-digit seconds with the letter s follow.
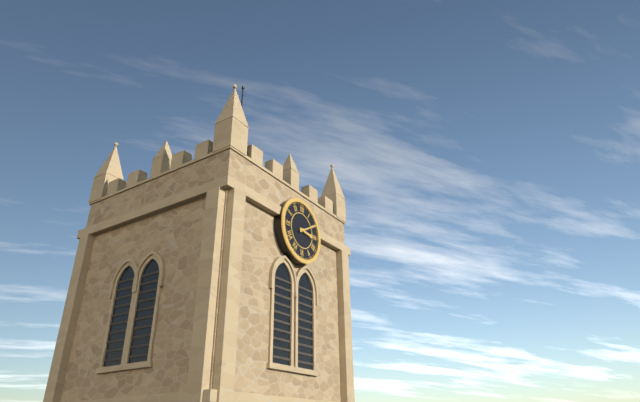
3h10
